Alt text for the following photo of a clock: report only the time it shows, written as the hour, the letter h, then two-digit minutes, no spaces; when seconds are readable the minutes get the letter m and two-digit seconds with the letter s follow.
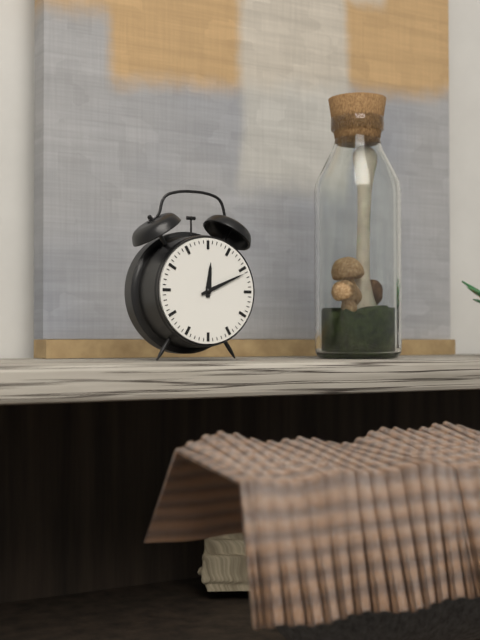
12h11
